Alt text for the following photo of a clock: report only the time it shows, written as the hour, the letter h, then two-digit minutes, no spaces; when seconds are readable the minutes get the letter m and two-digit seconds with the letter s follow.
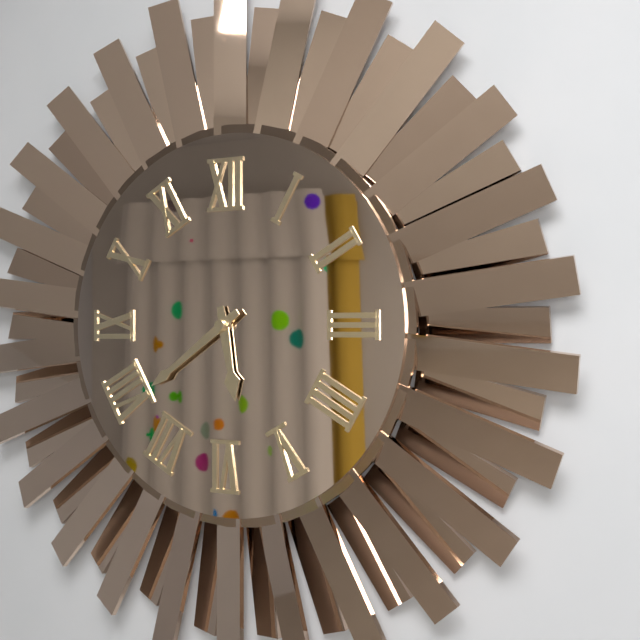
5h39
